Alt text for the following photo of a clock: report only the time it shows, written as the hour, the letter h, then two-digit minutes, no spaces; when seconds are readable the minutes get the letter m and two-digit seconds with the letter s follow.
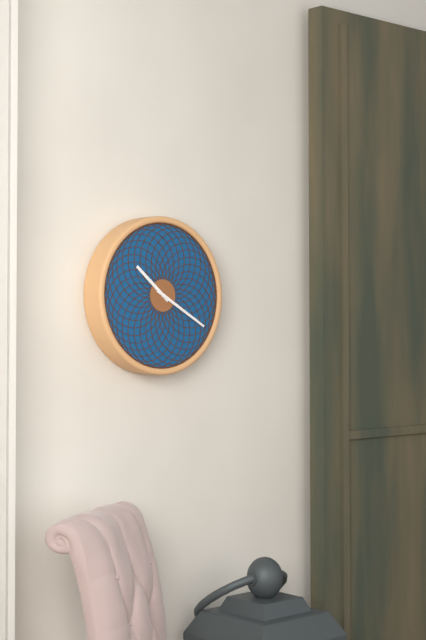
10h20
